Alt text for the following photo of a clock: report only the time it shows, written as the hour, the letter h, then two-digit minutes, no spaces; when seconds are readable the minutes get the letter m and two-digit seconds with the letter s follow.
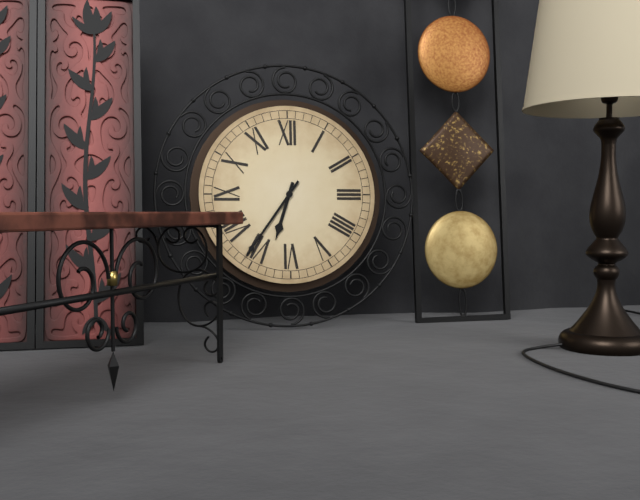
6h36
